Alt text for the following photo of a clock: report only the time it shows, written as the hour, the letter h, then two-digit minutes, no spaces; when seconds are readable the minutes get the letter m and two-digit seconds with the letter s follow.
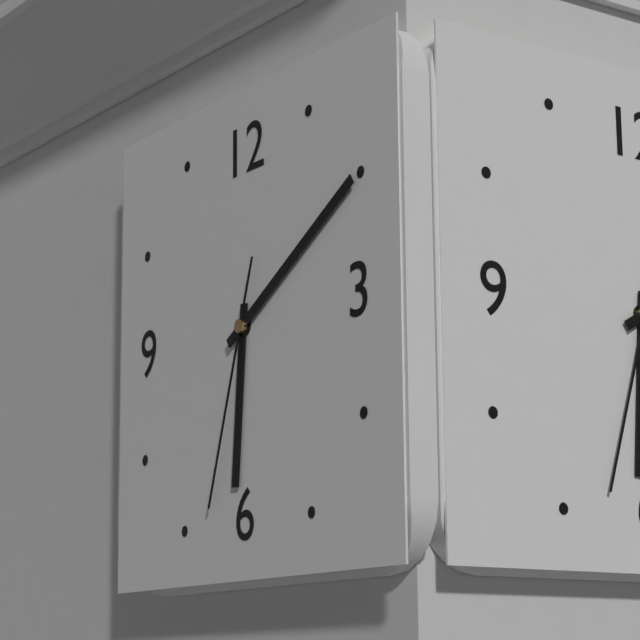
6h10m33s
